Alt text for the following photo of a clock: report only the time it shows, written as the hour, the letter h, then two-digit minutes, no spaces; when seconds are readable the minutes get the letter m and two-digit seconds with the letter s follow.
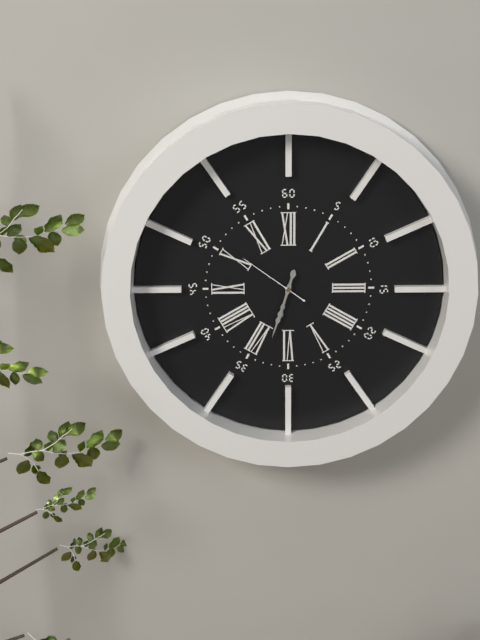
6h33m51s
